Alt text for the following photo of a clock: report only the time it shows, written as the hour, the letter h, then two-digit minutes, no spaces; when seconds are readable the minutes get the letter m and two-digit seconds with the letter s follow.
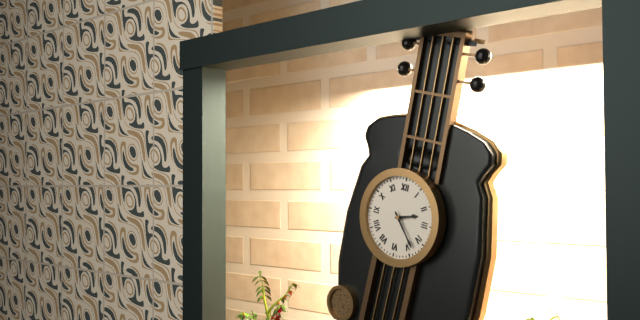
2h23
